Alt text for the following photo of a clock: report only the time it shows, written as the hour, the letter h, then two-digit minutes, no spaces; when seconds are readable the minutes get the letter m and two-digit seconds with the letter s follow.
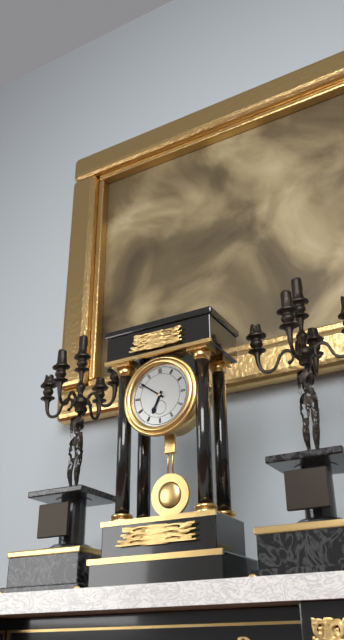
6h51
